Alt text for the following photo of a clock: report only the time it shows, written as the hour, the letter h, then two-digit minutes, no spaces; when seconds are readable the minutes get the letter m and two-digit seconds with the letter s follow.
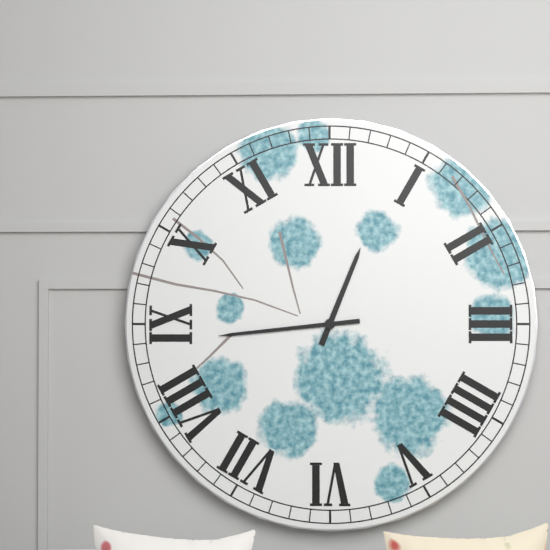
12h44
